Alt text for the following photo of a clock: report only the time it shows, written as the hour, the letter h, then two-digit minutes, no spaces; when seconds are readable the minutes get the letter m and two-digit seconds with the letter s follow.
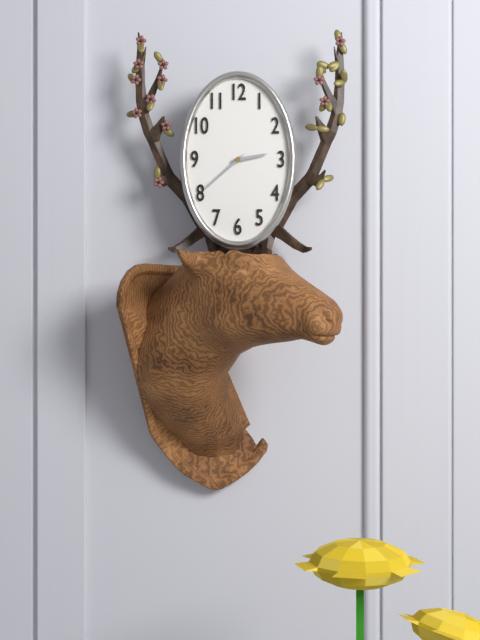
2h38
